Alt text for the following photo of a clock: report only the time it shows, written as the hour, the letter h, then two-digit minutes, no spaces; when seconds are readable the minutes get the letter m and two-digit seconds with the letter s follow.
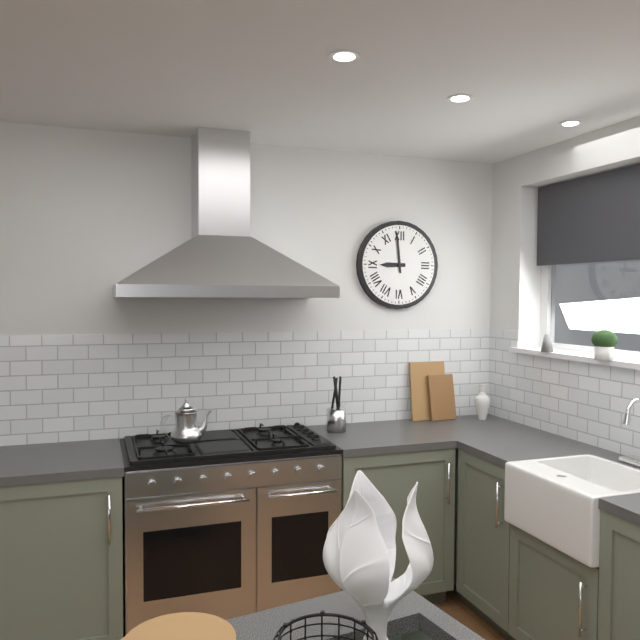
8h59
